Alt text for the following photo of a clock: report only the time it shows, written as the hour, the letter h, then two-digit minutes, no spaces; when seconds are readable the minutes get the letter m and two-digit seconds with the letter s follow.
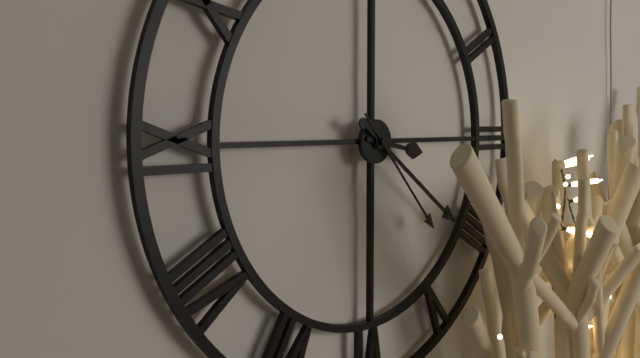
3h21m23s
